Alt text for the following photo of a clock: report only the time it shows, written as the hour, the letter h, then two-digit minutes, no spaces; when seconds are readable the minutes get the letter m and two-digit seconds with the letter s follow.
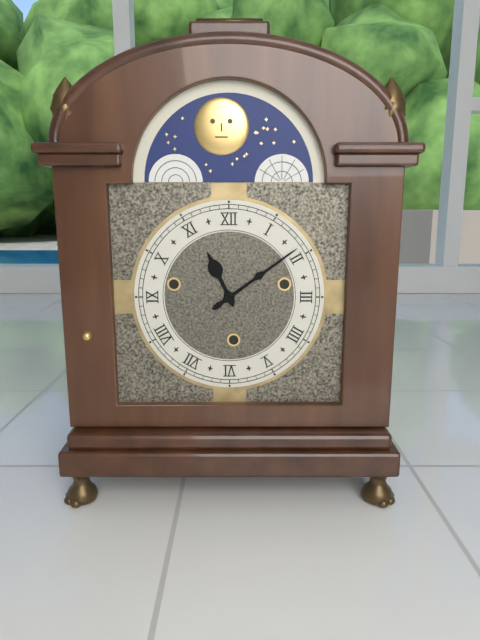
11h09
